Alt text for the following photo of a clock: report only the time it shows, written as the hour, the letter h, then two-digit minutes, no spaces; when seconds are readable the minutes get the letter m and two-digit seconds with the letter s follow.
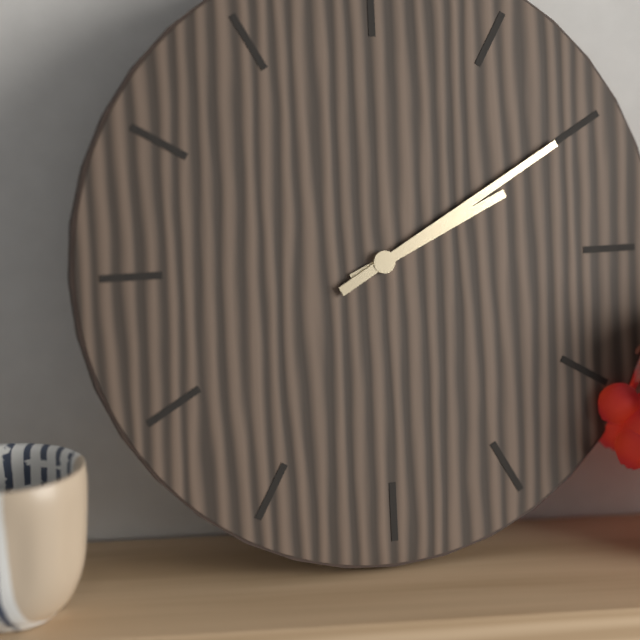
2h10
